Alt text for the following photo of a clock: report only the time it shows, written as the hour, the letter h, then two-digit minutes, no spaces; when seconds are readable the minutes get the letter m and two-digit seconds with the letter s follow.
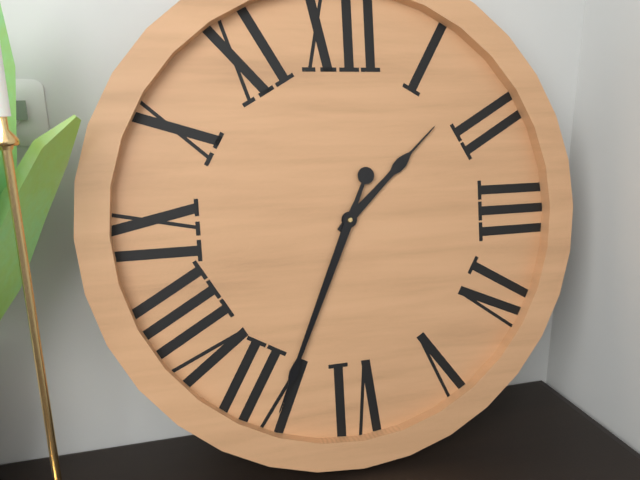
1h34
